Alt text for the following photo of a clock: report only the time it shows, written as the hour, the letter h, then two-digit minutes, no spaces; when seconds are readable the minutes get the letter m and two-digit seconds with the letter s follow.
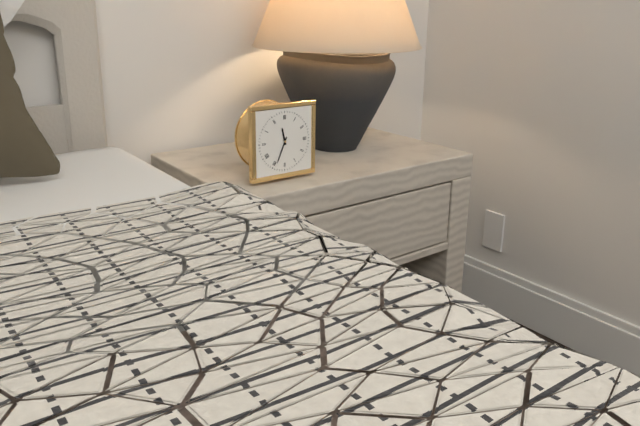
11h34
